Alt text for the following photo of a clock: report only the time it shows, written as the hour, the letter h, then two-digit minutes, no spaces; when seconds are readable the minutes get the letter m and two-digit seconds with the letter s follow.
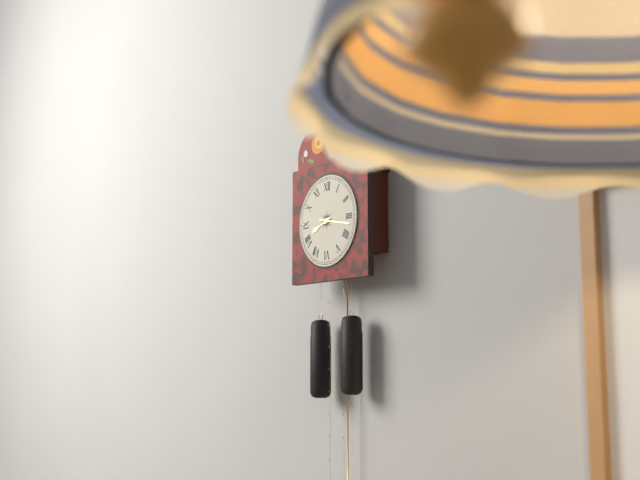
8h17
